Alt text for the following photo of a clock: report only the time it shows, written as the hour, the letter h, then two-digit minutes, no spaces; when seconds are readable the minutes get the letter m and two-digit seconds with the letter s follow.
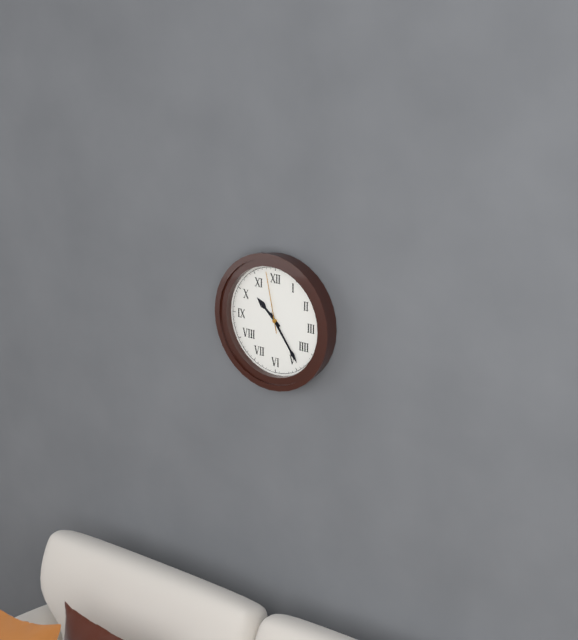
10h24m58s
